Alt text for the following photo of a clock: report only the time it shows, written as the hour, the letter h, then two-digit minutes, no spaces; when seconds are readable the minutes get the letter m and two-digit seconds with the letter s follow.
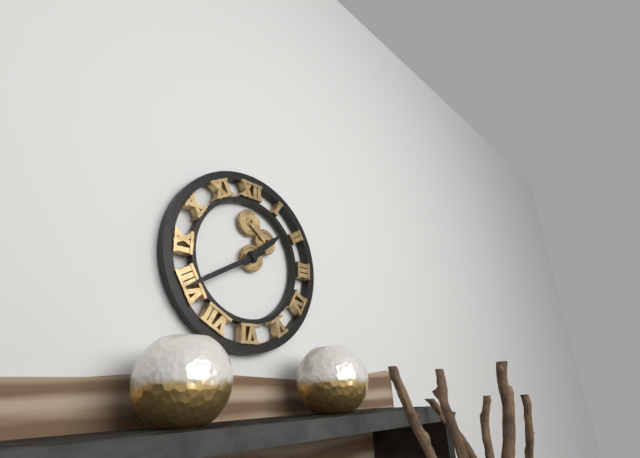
1h40
